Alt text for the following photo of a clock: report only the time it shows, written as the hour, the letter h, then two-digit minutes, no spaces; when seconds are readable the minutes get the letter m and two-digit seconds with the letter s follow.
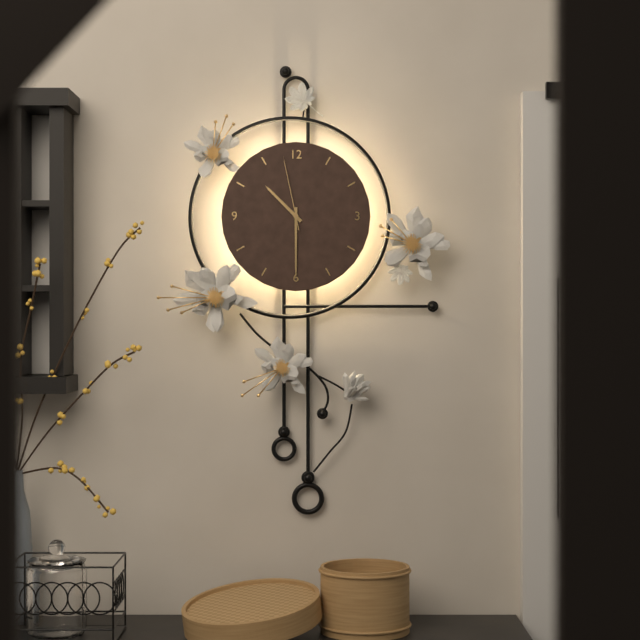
10h30m58s
